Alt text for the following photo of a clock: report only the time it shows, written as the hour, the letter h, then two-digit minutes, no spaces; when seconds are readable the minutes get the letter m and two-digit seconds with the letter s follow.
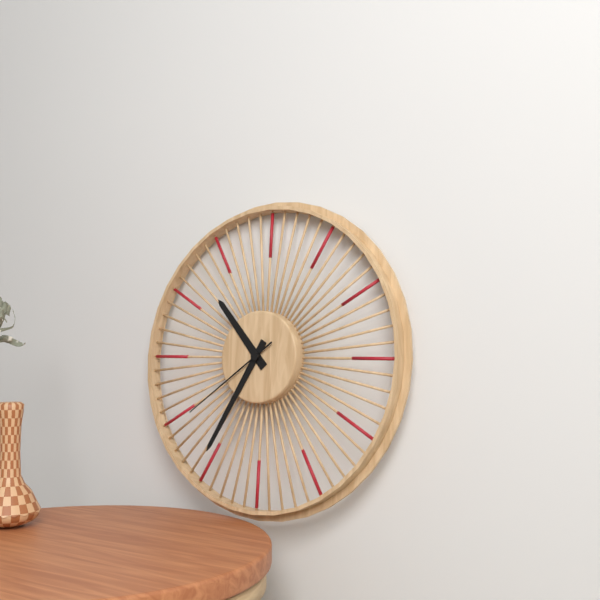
10h35m39s
